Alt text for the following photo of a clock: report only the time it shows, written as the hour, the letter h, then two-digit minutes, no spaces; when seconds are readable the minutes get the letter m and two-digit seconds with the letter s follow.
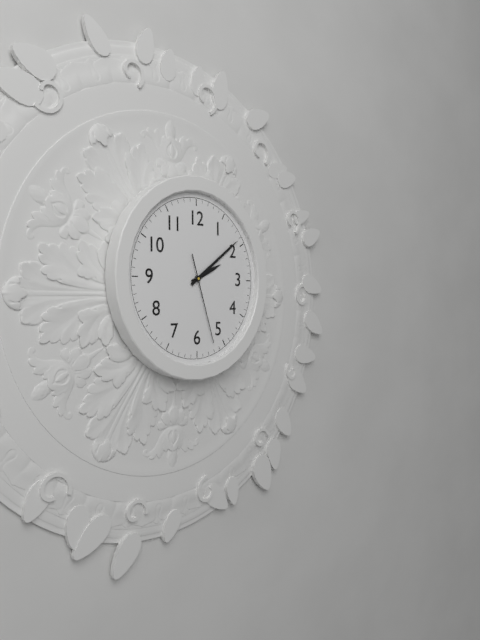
2h09m27s
